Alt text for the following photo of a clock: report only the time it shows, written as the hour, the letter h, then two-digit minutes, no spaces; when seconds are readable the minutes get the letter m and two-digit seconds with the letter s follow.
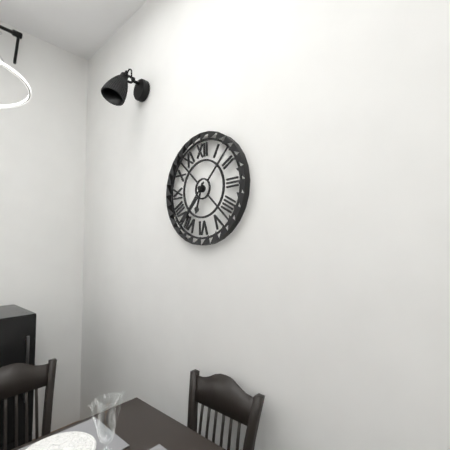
6h37
